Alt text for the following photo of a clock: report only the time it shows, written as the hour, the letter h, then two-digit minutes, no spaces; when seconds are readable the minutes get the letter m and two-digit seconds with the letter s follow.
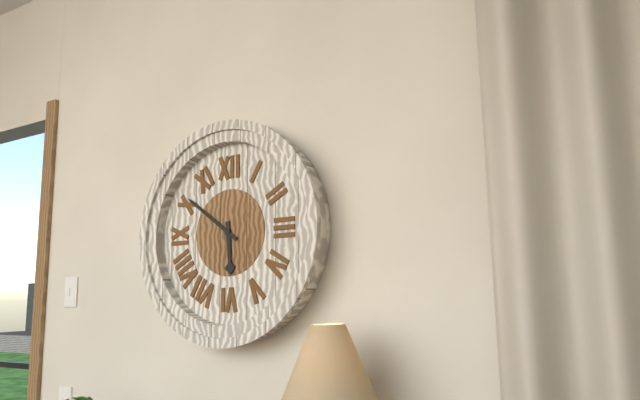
5h51
